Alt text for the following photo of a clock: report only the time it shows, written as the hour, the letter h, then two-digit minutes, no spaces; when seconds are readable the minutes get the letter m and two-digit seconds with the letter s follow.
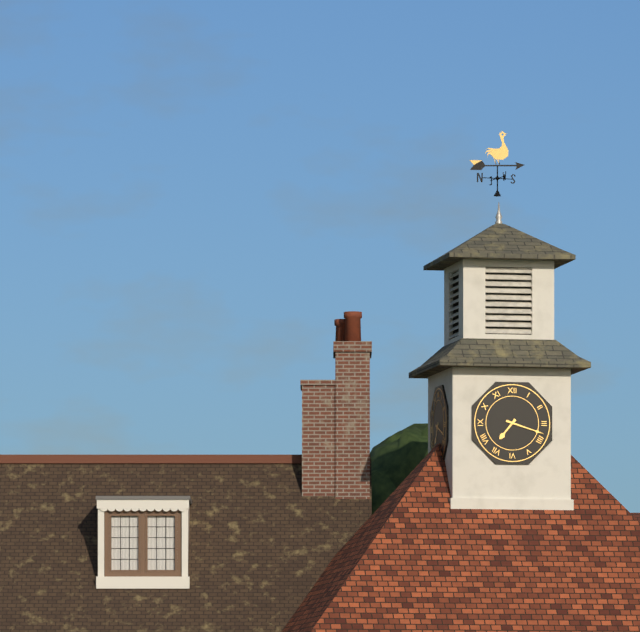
7h18
